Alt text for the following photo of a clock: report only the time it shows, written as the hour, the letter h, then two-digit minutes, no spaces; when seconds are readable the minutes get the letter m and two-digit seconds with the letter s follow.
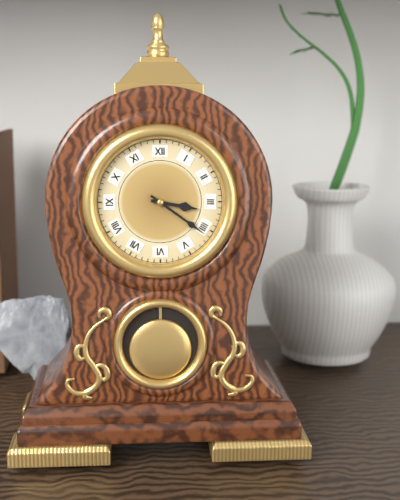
3h21
